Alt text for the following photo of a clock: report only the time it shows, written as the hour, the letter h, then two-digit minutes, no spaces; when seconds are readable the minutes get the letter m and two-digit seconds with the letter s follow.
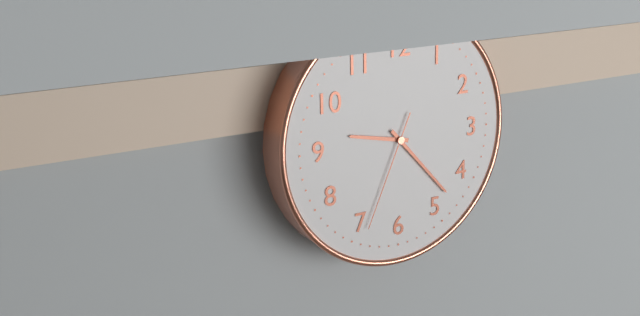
9h23m34s
